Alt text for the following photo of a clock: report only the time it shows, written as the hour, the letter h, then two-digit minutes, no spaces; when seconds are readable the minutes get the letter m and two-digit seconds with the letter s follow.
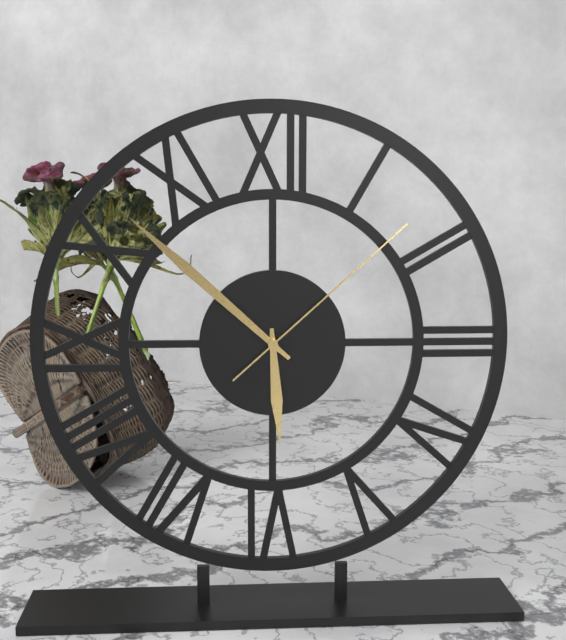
5h52m08s
